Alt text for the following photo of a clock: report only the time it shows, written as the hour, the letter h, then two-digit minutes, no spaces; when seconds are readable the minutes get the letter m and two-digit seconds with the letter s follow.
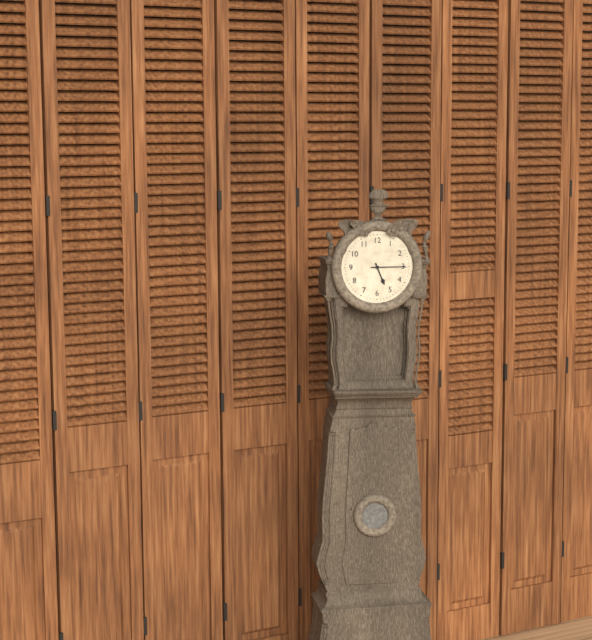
5h15
